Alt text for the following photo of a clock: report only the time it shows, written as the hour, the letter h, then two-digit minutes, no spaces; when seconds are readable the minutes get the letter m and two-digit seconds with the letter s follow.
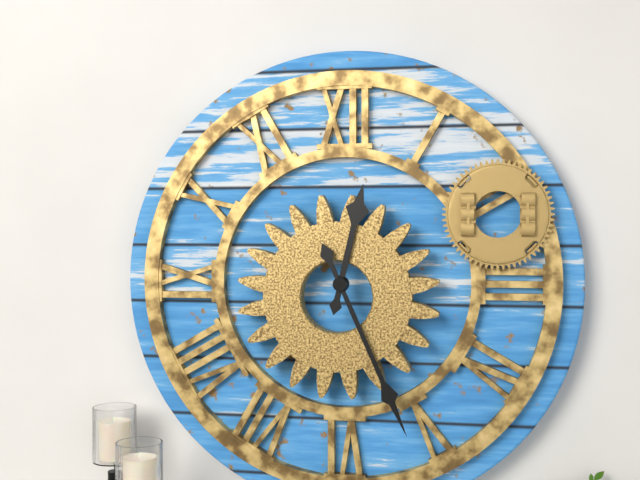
12h26
